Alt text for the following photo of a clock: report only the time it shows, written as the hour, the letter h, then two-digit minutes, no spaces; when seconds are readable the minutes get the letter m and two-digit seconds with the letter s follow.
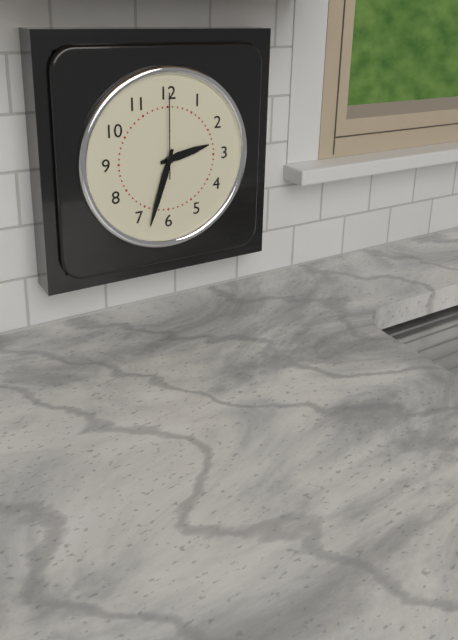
2h33m00s
